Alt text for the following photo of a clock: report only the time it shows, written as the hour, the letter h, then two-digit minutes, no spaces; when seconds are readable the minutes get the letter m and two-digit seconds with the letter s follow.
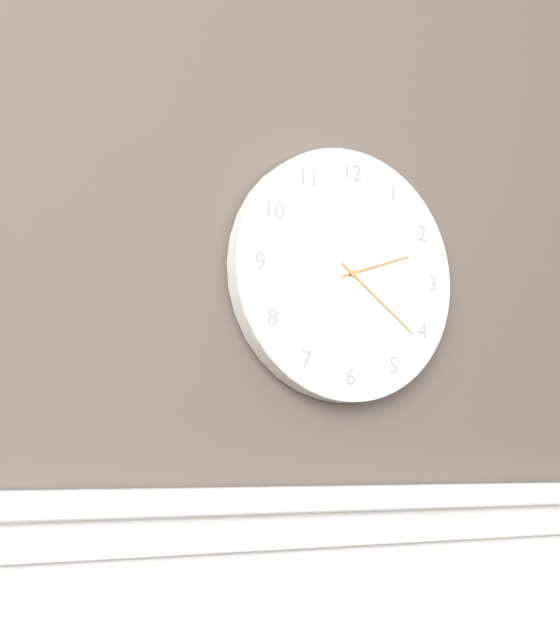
2h21
